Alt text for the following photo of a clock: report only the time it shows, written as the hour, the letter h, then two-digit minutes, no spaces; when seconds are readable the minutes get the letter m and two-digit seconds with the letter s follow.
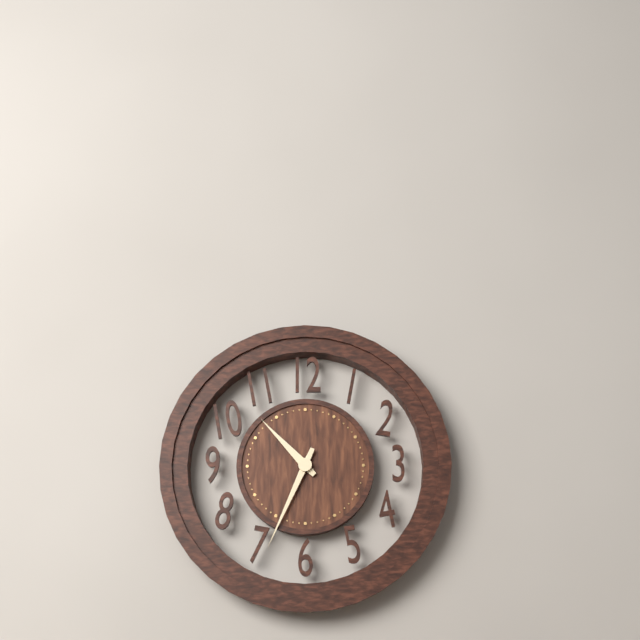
10h34
